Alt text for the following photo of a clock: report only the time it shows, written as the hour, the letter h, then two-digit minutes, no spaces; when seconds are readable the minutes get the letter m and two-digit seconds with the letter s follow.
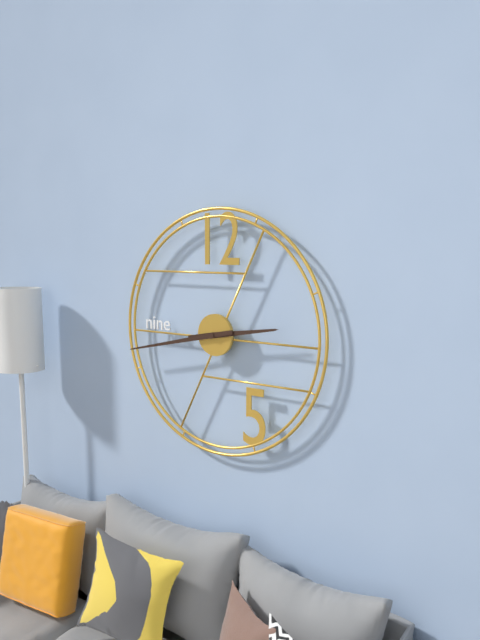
2h43
